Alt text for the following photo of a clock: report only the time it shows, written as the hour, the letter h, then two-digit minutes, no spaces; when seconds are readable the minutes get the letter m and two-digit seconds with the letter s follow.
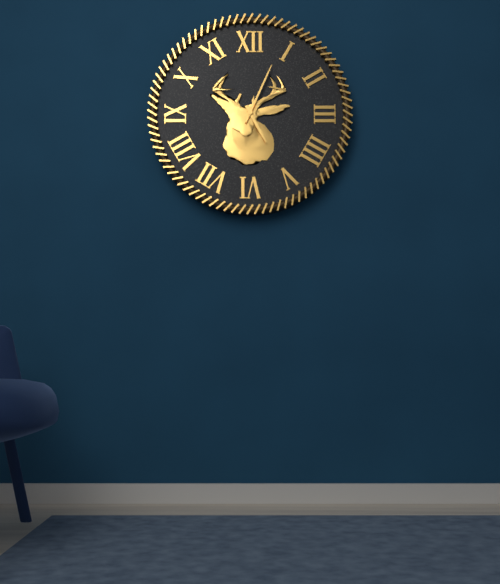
5h04
